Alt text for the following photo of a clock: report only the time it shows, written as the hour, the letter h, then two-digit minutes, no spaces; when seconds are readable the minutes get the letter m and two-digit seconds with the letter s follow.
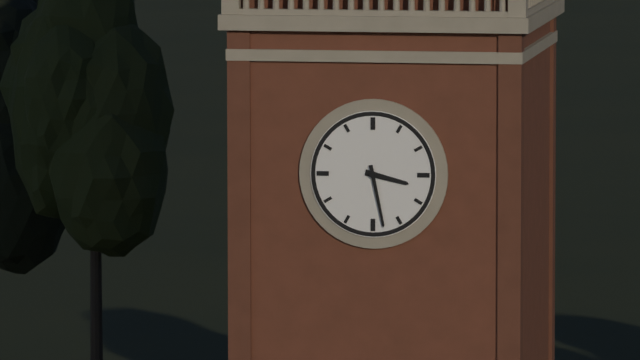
3h28
